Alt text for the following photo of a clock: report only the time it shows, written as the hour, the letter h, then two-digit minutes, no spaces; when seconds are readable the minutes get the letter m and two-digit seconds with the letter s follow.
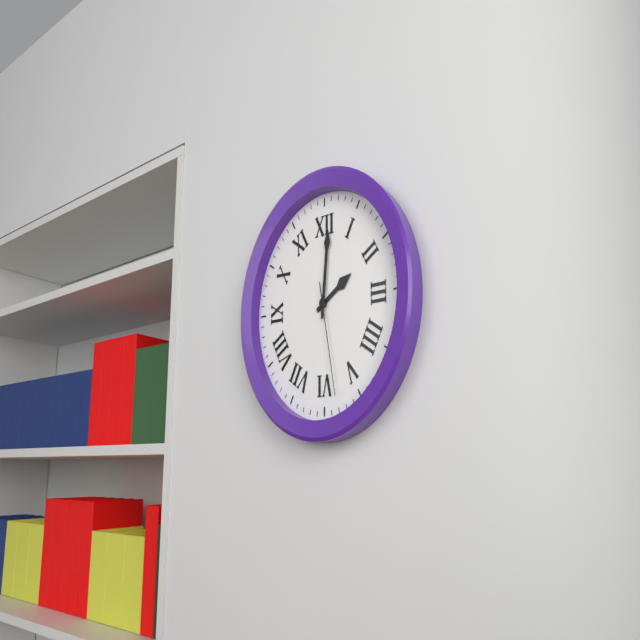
2h01m28s
